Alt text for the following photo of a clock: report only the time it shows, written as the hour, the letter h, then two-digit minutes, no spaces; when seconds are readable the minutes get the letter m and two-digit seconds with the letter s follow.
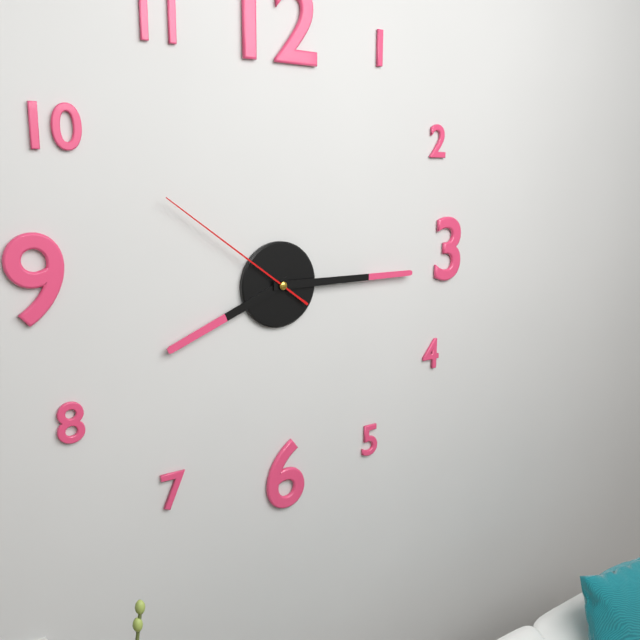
8h15m51s
